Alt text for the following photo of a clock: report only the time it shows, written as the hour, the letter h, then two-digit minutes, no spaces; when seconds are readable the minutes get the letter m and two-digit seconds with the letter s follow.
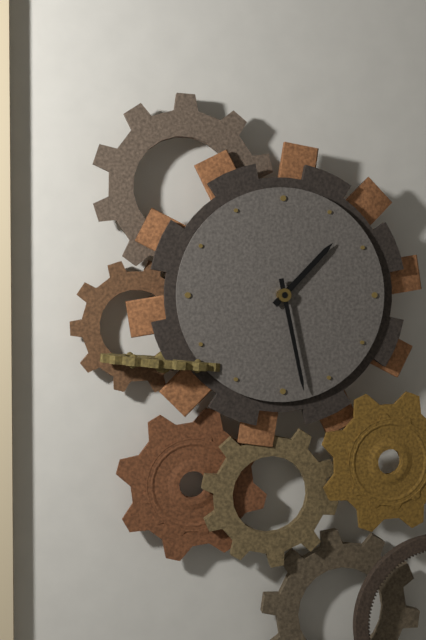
1h28
